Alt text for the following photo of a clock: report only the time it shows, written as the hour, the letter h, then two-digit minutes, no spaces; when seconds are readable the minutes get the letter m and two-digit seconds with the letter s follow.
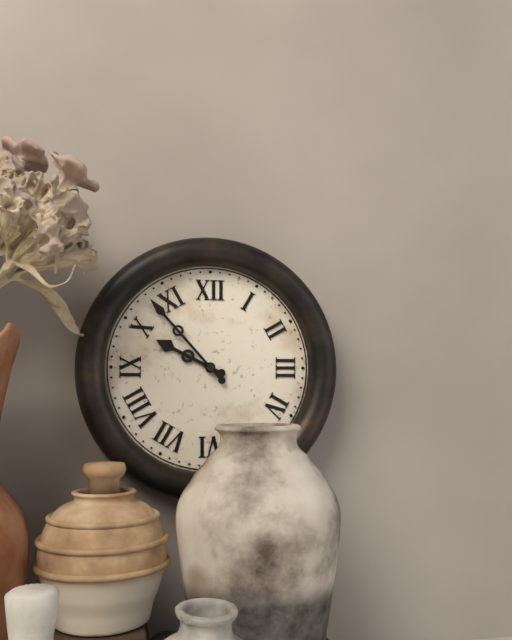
9h53
